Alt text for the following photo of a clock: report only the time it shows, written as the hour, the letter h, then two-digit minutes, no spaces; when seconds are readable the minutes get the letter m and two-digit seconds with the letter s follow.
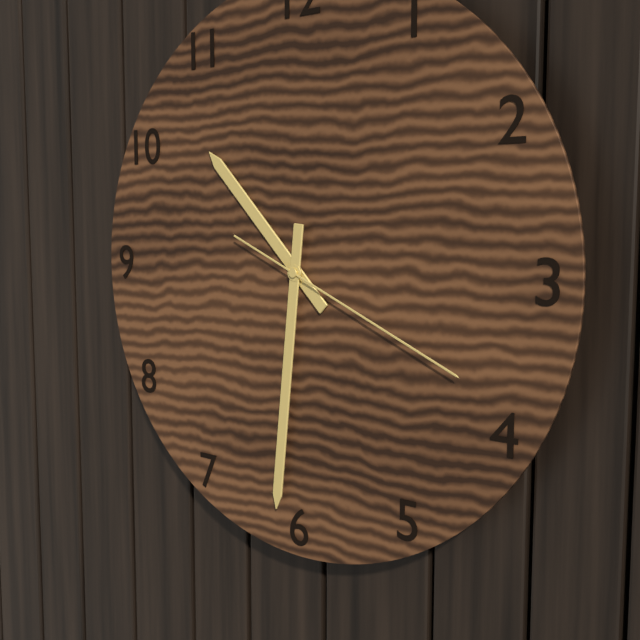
10h31m19s
